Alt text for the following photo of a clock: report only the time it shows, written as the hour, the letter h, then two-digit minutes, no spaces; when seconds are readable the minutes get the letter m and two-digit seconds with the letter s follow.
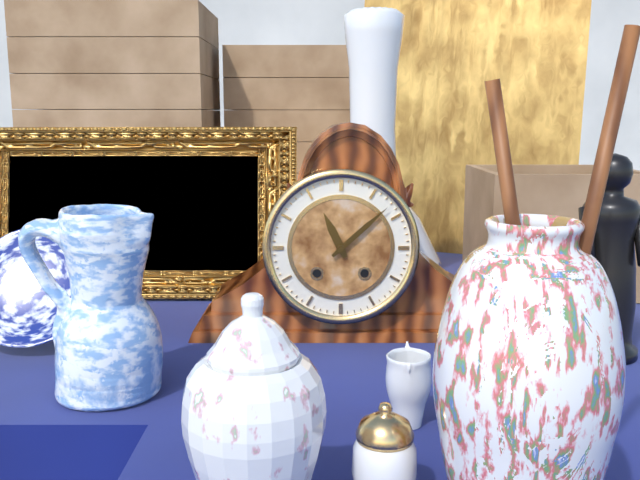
11h08
